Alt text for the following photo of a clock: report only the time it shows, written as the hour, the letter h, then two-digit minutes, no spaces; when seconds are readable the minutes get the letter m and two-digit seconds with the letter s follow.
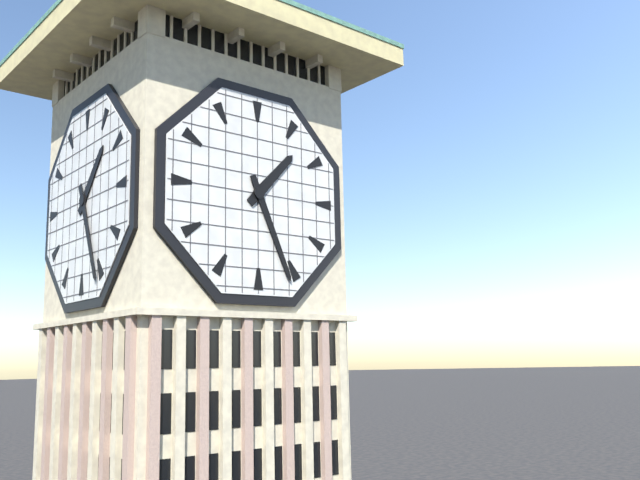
1h26
